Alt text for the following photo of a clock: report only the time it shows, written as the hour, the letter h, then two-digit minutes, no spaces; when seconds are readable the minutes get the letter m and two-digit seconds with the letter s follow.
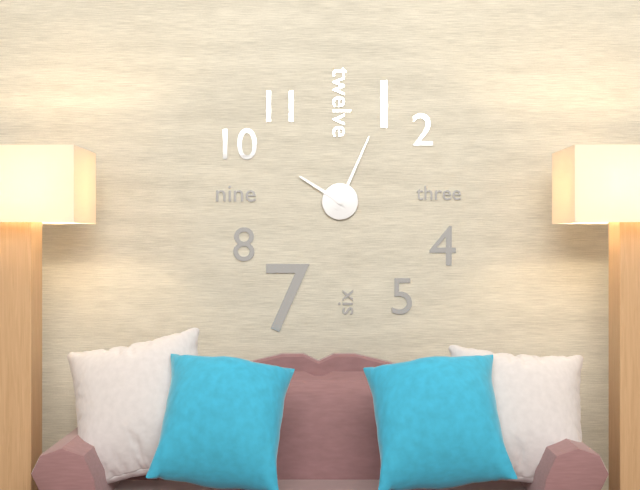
10h04
